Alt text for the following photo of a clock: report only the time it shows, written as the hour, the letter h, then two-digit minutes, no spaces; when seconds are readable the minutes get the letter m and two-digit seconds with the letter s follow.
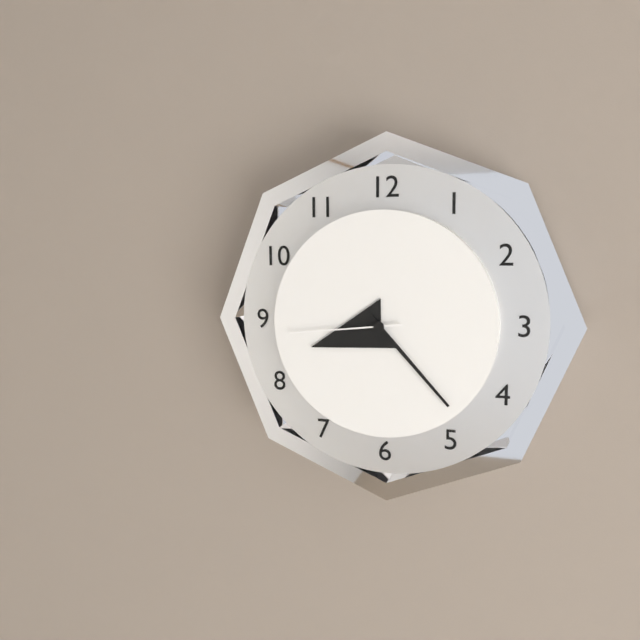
8h23m44s
